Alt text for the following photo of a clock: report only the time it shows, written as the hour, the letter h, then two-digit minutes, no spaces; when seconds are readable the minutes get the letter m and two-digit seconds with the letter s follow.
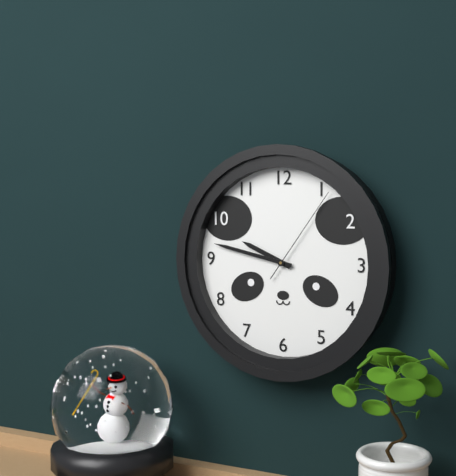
9h47m06s
